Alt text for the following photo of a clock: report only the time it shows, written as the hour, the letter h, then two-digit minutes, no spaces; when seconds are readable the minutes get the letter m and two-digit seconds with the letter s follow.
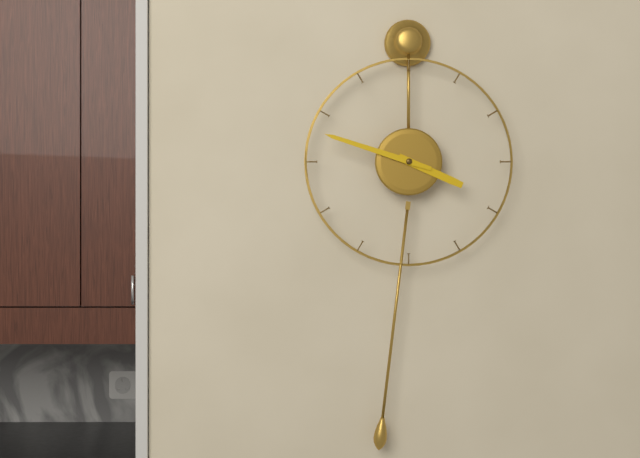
3h48
